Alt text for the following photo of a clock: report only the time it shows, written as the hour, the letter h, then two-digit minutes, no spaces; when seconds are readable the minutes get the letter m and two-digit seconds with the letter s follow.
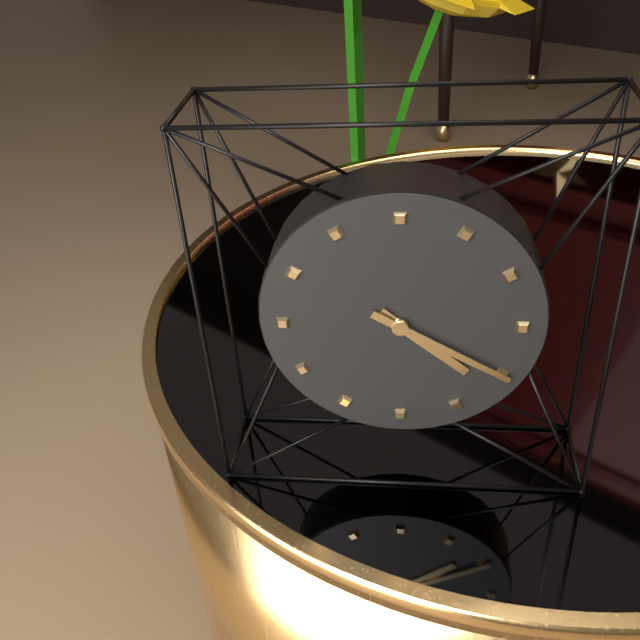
4h20
